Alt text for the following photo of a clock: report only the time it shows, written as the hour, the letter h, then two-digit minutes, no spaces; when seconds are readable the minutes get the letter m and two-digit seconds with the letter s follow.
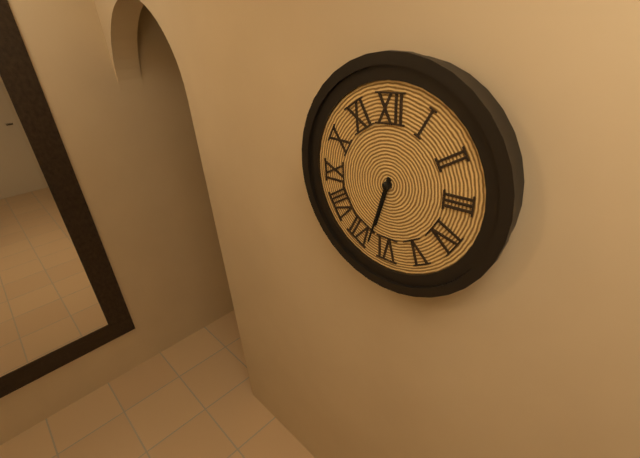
6h33
